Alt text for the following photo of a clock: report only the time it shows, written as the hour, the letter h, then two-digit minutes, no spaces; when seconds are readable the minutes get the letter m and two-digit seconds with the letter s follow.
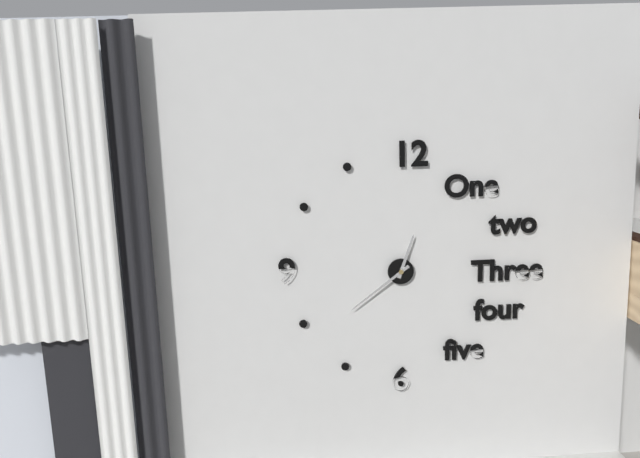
12h39
